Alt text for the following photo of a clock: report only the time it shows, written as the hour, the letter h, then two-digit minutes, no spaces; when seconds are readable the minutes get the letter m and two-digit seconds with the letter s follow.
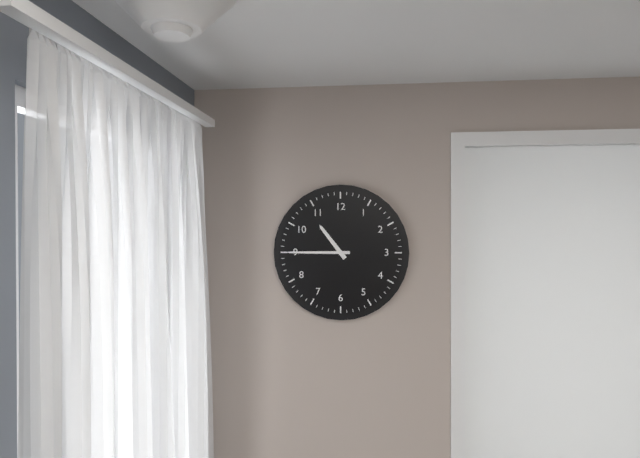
10h45
